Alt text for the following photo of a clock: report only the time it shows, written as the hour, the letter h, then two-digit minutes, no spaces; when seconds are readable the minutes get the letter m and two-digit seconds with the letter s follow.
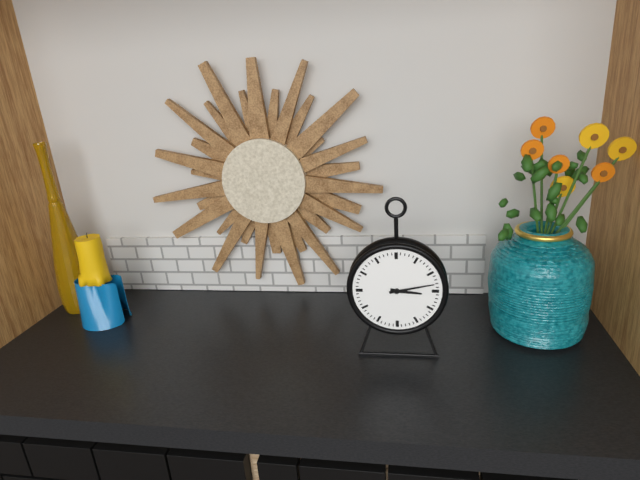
3h13
